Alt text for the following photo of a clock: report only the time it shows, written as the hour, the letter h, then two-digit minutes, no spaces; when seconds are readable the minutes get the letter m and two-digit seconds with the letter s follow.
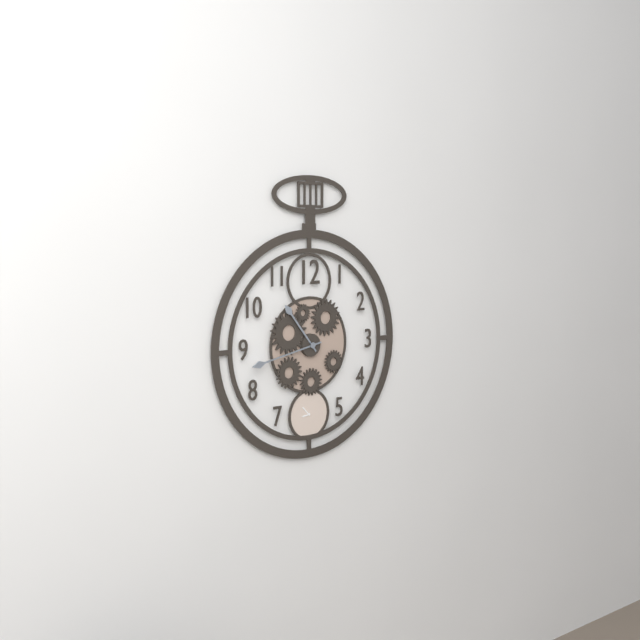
10h43
